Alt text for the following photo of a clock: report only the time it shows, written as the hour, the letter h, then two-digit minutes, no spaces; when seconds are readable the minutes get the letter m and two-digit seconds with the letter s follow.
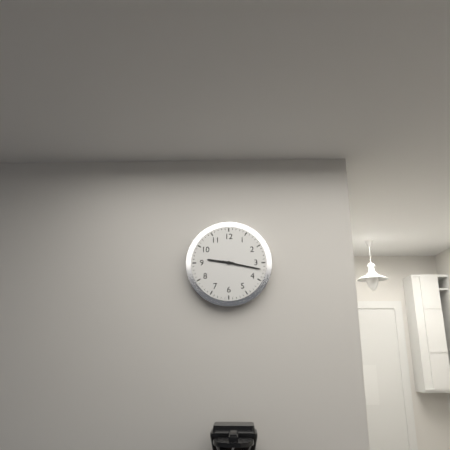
9h17
